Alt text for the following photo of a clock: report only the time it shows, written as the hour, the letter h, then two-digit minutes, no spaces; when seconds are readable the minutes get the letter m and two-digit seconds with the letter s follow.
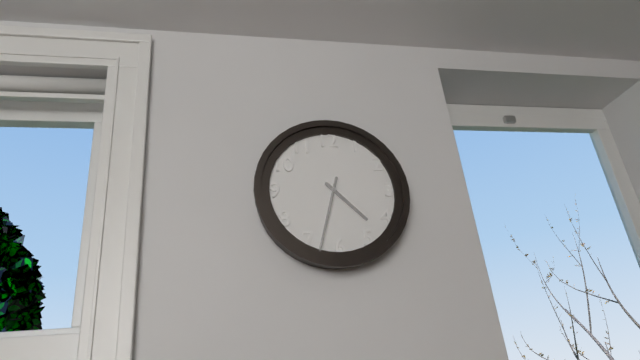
4h33
